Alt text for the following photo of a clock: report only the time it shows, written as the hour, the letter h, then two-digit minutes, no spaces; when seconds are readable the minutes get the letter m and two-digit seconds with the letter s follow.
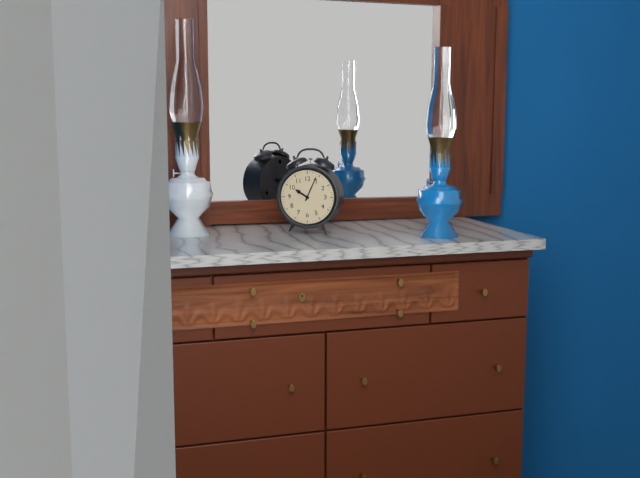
10h04
